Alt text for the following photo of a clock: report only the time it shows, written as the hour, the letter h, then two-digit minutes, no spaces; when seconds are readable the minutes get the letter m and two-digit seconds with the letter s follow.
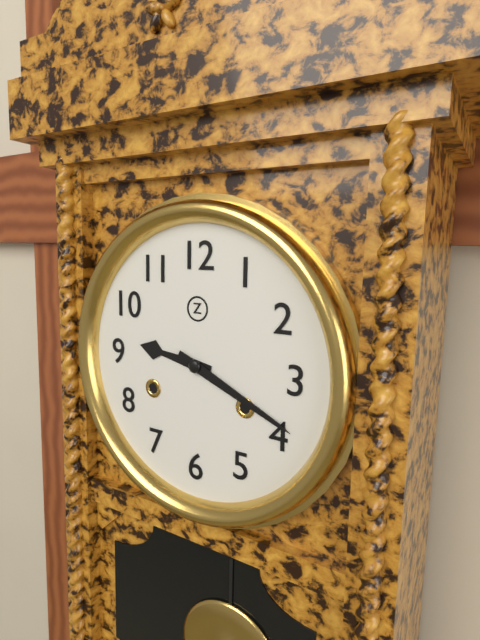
9h19
